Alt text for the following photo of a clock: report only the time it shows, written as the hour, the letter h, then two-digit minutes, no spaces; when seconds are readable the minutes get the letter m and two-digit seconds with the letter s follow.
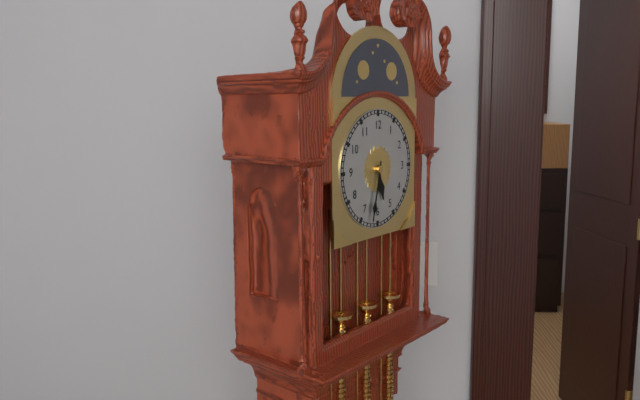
5h32
